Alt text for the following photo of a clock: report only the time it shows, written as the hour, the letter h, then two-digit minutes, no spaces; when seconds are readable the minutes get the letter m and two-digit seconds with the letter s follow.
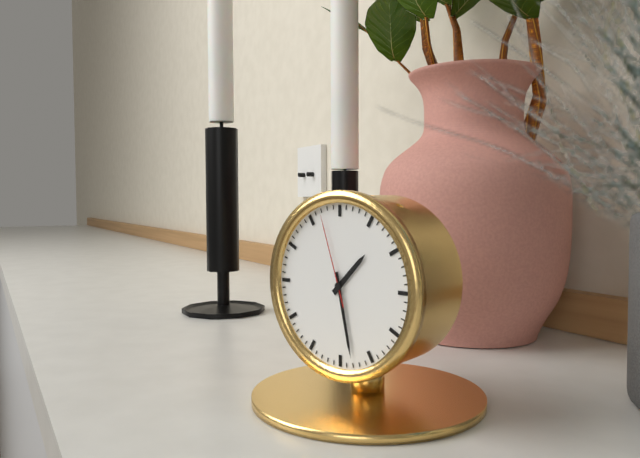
1h28m57s
